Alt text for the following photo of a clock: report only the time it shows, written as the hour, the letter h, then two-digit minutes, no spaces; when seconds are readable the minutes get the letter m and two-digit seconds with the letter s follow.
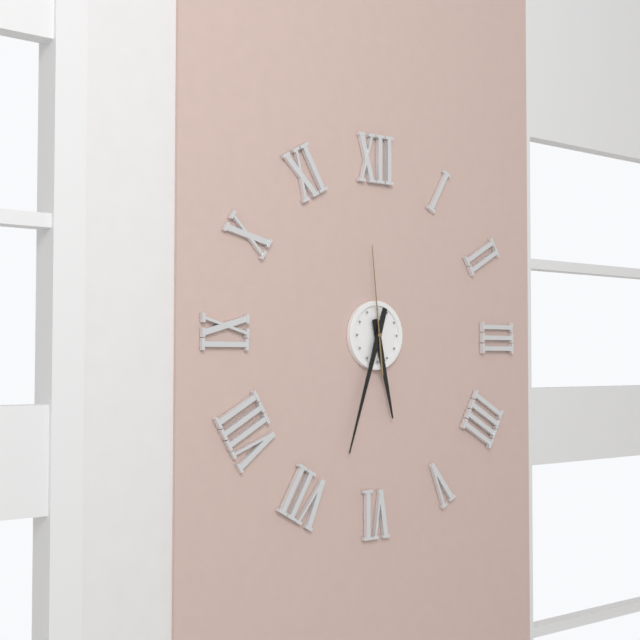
5h33m59s
